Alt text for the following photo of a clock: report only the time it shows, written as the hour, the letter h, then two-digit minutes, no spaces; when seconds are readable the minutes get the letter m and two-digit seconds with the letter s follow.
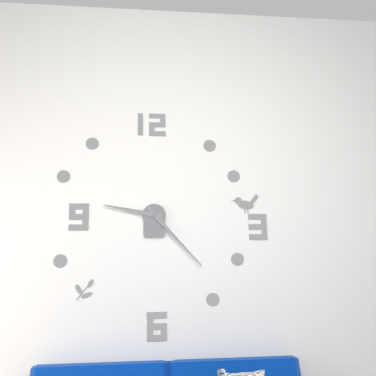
9h23
